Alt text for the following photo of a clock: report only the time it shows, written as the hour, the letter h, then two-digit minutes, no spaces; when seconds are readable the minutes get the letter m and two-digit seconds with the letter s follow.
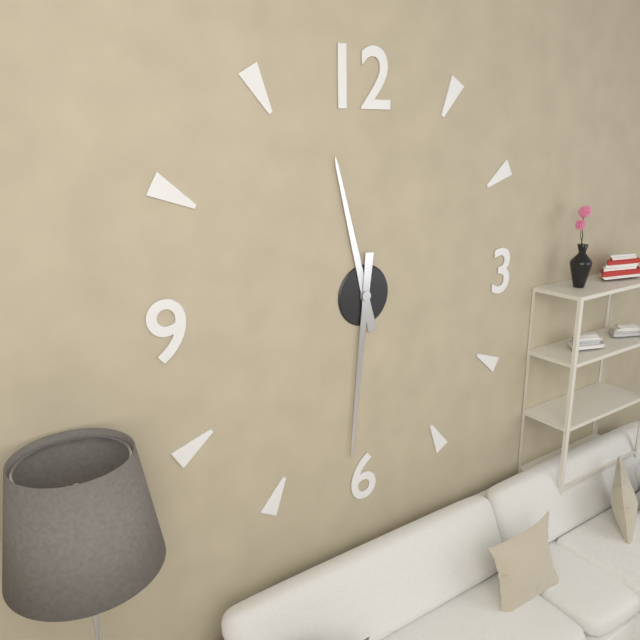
11h31
